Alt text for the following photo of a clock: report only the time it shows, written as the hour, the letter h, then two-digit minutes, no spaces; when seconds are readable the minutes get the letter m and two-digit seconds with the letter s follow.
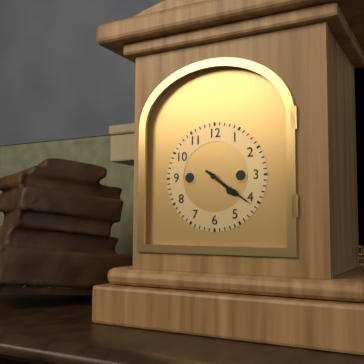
4h21
